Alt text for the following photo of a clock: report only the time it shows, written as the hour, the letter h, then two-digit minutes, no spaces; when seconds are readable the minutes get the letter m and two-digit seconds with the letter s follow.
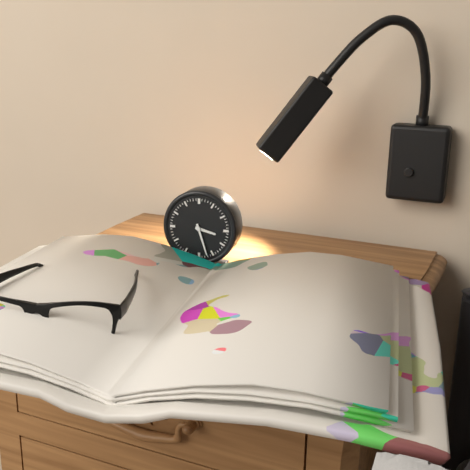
3h27
